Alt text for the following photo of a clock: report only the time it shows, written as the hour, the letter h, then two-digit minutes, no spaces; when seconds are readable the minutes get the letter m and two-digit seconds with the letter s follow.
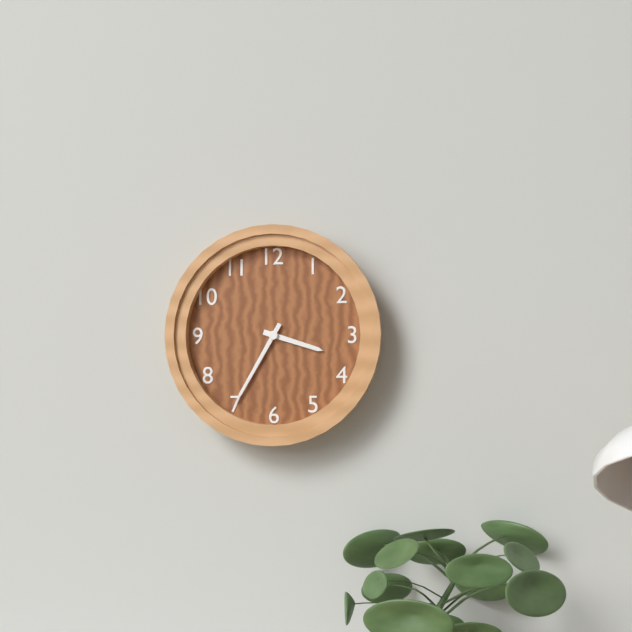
3h35
